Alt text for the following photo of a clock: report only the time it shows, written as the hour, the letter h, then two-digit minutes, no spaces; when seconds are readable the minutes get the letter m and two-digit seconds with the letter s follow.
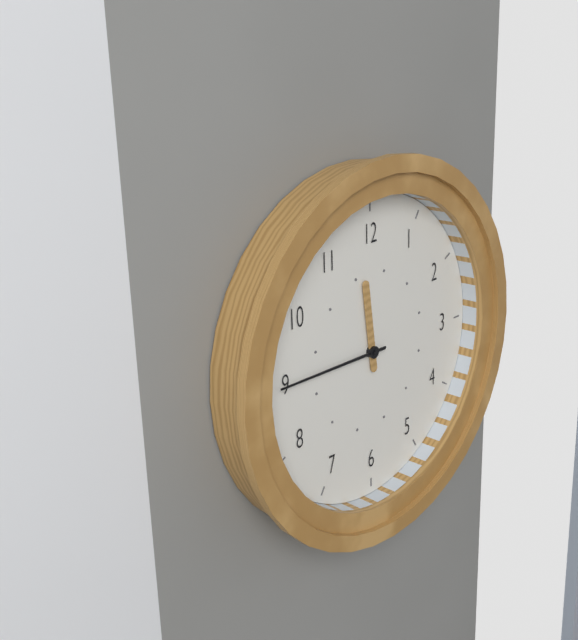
11h45
